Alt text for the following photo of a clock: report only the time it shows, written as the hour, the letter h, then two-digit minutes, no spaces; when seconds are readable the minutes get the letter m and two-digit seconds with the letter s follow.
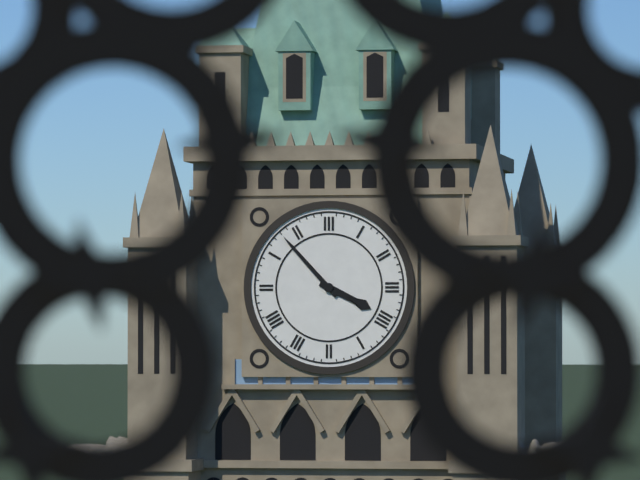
3h53
